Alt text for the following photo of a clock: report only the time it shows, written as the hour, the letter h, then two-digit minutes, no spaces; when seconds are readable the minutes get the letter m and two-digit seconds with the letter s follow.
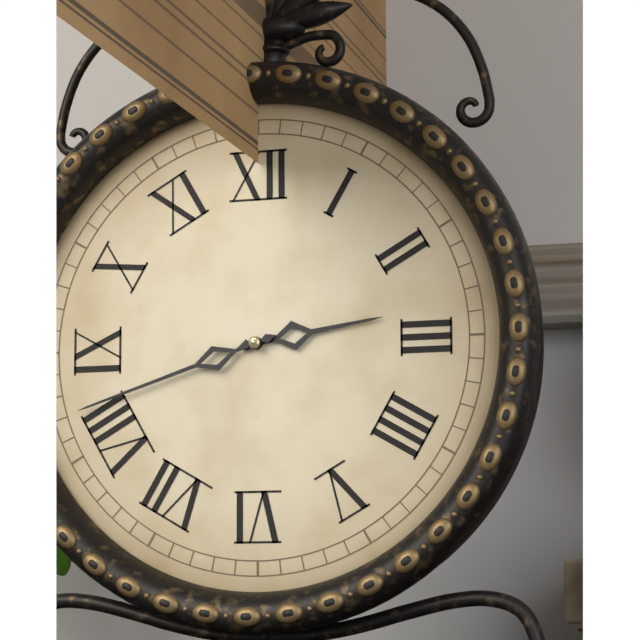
2h42
